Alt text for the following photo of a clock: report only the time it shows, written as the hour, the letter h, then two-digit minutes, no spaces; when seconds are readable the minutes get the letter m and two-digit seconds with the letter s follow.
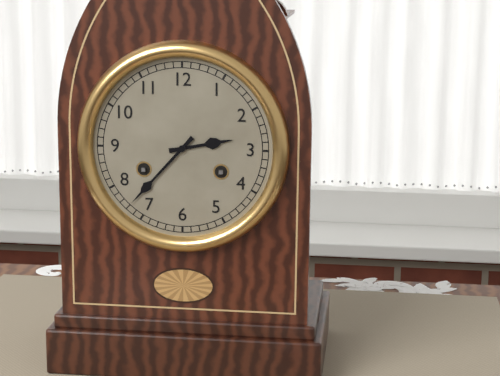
2h37
